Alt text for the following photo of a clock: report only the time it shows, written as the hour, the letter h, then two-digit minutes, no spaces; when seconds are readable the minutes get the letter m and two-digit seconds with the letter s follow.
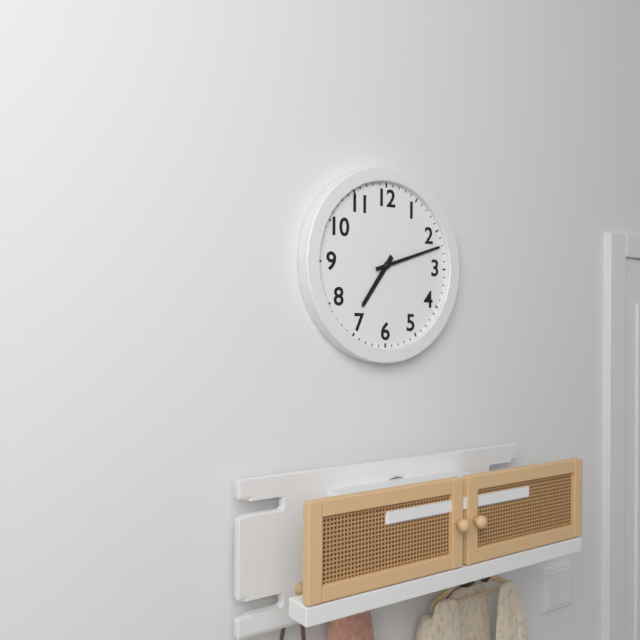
7h12
